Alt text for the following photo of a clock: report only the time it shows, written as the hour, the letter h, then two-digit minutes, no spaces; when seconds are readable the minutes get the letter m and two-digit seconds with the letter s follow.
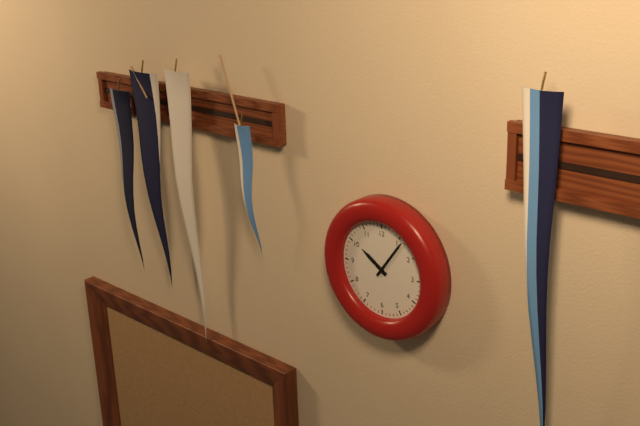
10h06
